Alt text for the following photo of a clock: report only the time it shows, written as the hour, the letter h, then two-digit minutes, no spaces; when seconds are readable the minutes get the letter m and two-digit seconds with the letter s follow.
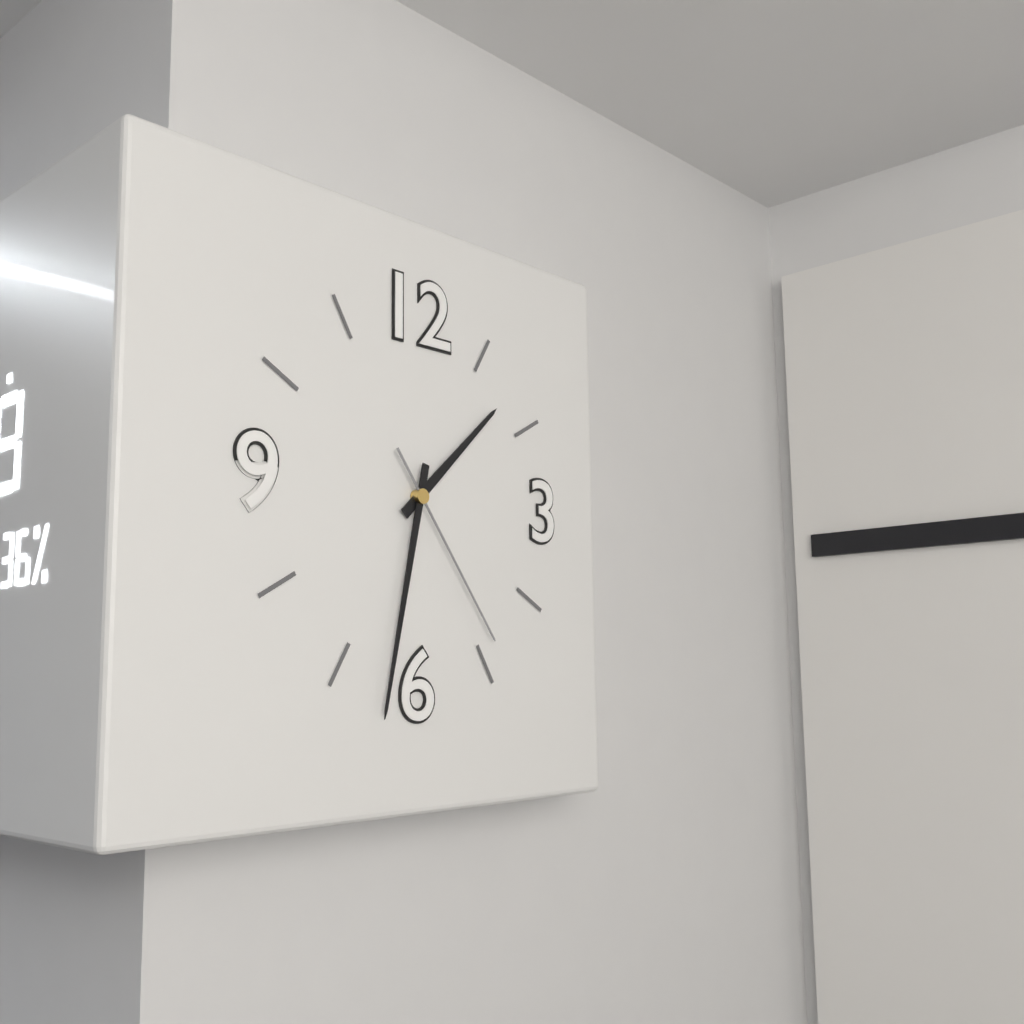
1h32m24s
